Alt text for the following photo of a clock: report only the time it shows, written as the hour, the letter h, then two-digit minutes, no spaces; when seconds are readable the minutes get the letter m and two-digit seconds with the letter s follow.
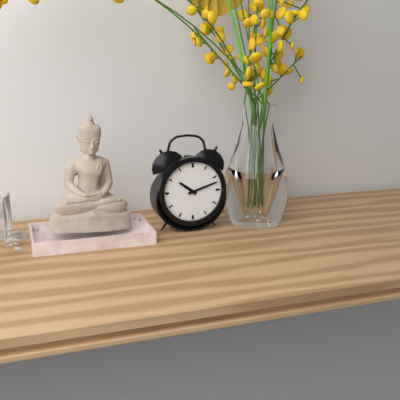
10h12
